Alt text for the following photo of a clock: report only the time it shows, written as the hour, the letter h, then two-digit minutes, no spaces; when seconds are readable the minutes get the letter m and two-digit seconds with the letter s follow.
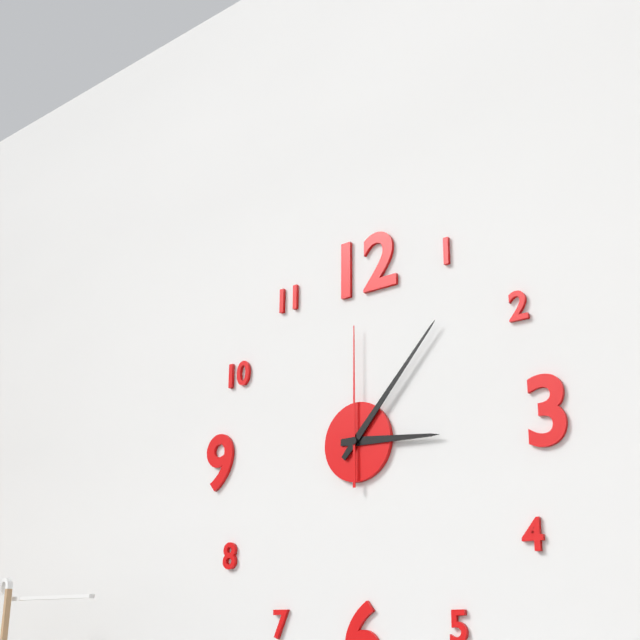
3h07m00s
